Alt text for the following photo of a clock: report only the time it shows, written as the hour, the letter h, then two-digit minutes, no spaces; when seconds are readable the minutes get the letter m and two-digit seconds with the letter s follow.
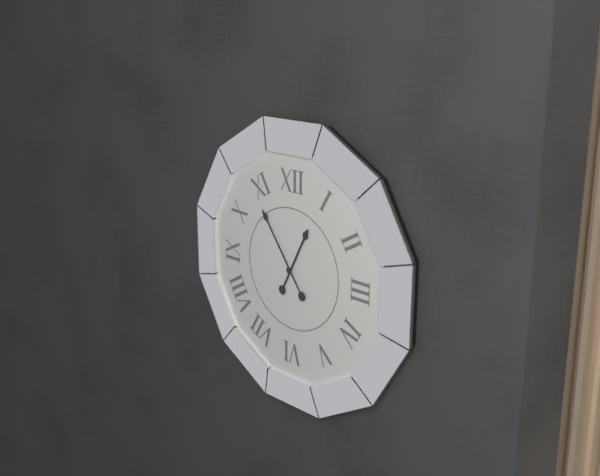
12h54
